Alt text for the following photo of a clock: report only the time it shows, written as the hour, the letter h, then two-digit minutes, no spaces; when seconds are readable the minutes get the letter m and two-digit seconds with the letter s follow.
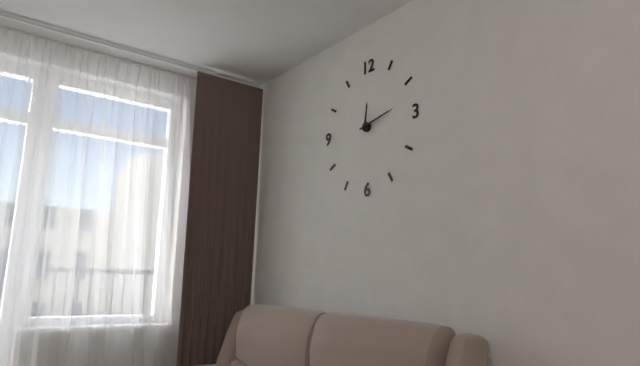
12h13
